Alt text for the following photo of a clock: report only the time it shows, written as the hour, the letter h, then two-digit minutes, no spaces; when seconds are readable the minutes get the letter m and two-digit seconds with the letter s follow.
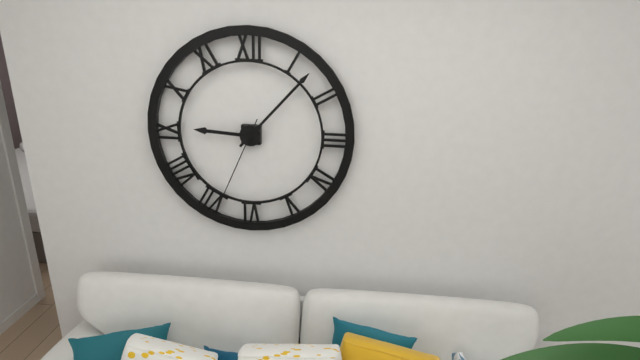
9h07m34s
